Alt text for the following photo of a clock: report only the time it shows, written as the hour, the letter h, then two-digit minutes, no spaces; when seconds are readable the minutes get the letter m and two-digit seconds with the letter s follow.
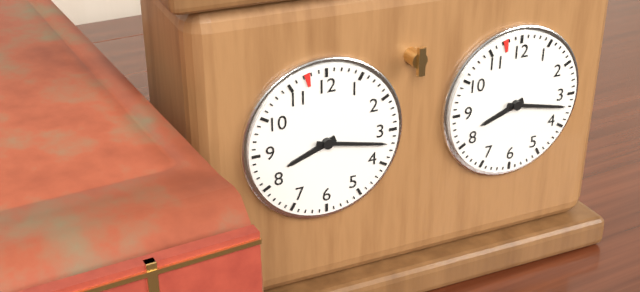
8h17
